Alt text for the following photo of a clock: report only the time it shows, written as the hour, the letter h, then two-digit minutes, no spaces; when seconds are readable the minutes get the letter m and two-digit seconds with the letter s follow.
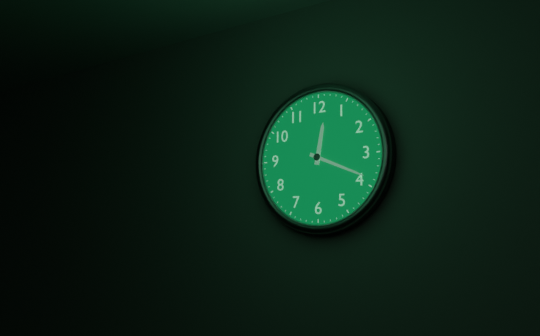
12h19
